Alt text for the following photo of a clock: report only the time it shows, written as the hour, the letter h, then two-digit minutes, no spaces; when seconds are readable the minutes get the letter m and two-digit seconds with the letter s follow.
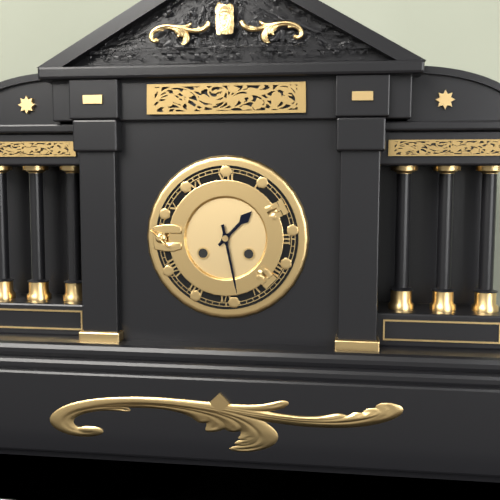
1h28
